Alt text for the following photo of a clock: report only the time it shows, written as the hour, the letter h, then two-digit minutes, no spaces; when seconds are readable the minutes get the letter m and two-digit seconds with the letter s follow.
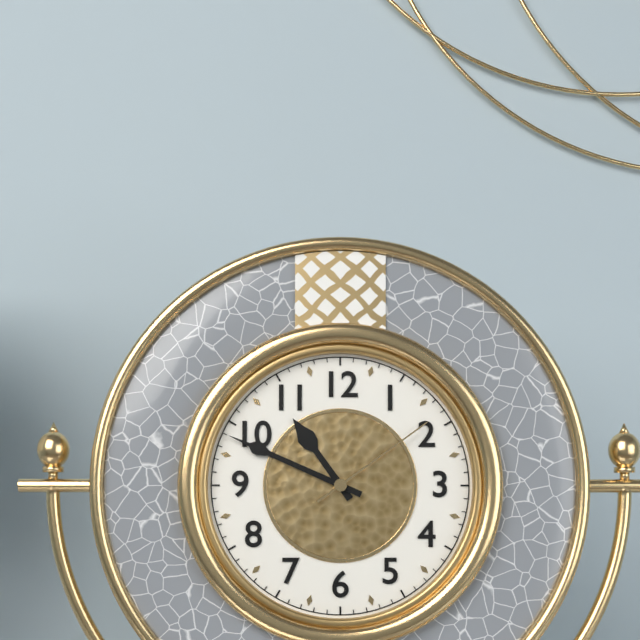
10h49m09s
